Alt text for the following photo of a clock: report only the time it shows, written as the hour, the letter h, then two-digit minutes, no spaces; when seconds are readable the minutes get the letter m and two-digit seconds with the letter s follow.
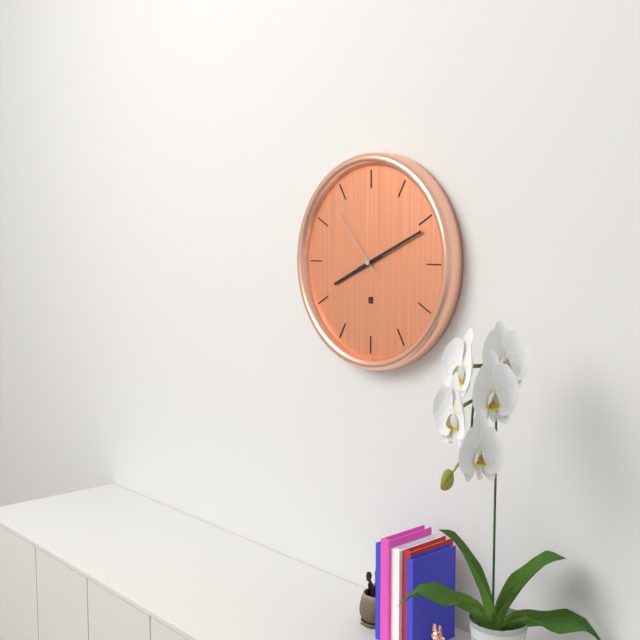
8h11m53s
